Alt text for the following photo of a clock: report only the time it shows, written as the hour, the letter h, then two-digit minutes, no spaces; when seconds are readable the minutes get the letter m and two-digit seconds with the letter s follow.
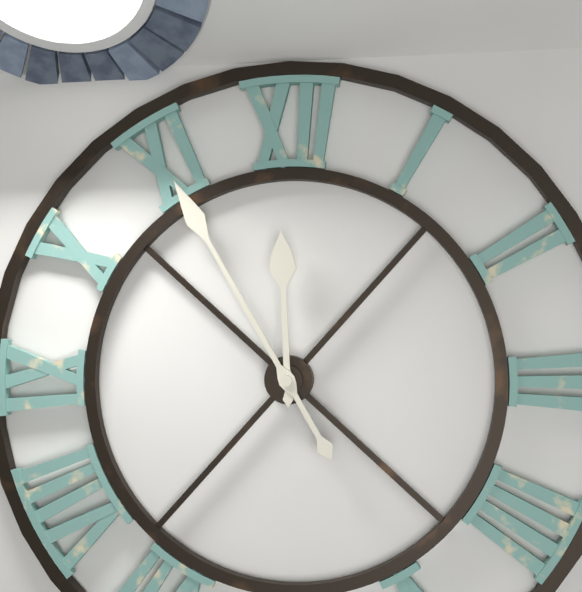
11h55
